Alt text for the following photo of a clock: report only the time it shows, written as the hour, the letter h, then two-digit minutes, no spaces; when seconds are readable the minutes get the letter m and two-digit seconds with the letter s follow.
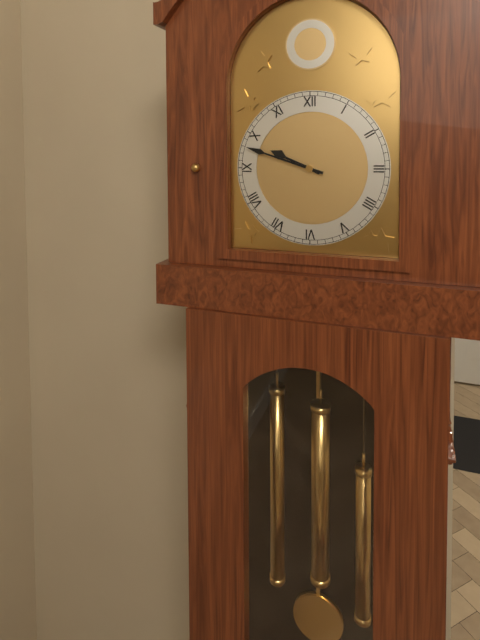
9h48
